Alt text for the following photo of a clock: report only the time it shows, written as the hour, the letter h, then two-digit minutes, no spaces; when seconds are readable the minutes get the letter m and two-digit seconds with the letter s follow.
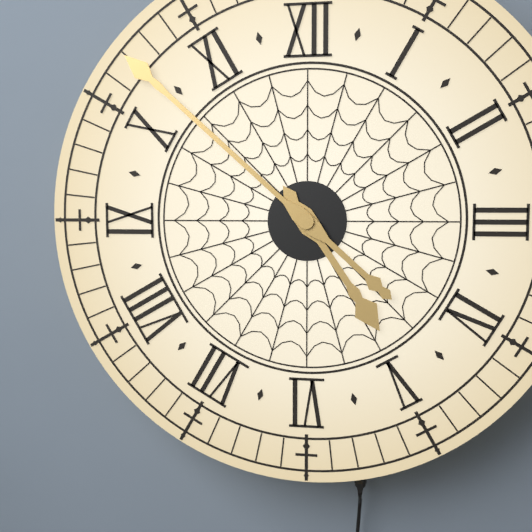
4h52
